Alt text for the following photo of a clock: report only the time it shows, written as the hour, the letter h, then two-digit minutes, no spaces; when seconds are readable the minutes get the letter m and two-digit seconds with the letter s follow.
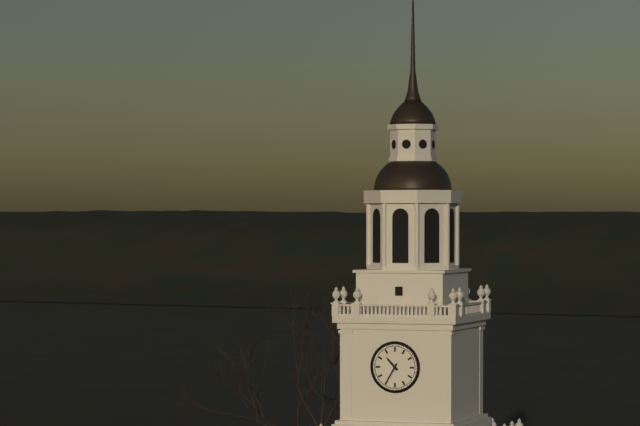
10h35
